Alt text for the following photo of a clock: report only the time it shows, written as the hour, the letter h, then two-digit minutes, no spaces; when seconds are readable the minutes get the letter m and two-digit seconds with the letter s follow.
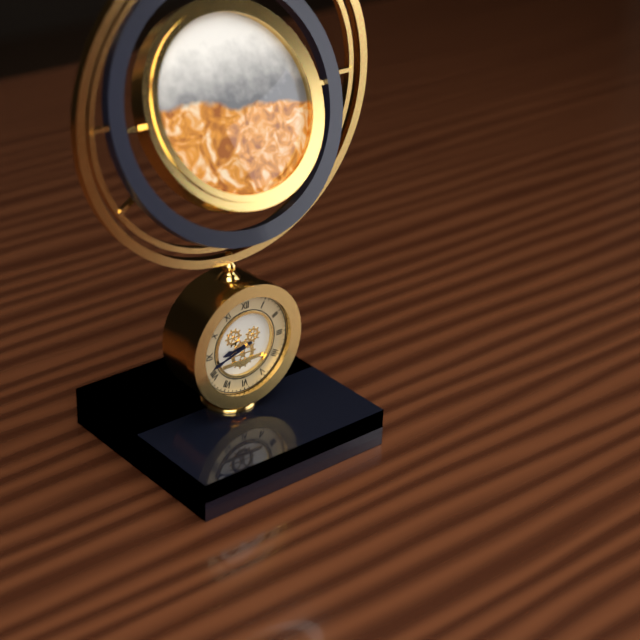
8h42
